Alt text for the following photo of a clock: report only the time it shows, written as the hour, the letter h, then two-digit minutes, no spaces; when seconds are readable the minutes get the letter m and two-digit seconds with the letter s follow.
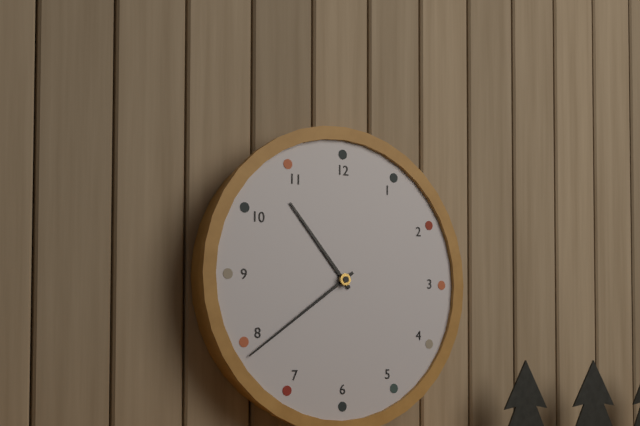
10h39
